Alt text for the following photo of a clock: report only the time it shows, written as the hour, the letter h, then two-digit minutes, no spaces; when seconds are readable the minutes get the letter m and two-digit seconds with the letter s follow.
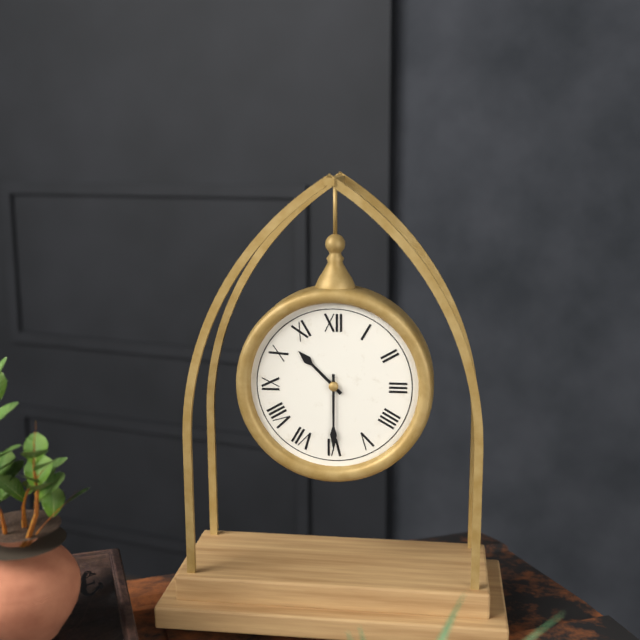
10h30
